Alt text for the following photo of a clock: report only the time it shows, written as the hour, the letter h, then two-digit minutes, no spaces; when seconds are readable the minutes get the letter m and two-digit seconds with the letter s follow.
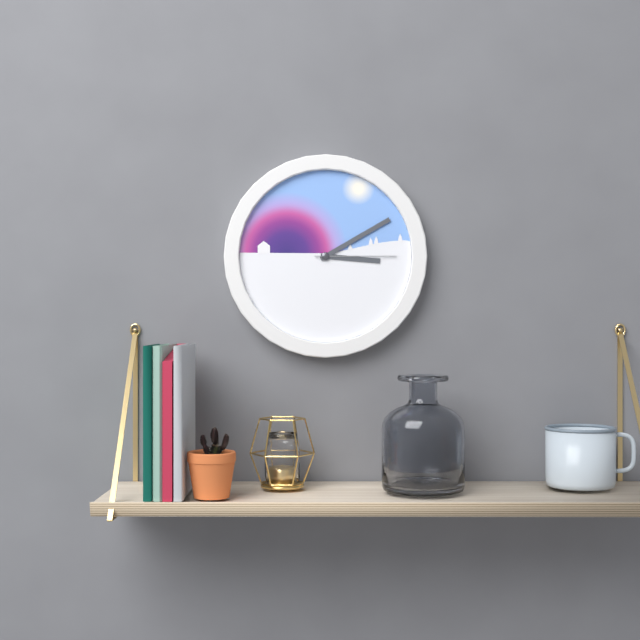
3h10m15s
